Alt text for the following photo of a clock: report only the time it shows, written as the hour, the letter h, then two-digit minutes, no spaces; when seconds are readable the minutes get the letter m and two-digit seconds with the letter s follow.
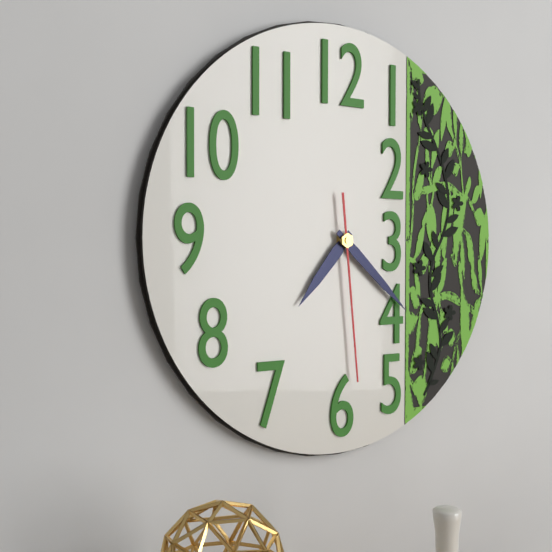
7h22m29s
